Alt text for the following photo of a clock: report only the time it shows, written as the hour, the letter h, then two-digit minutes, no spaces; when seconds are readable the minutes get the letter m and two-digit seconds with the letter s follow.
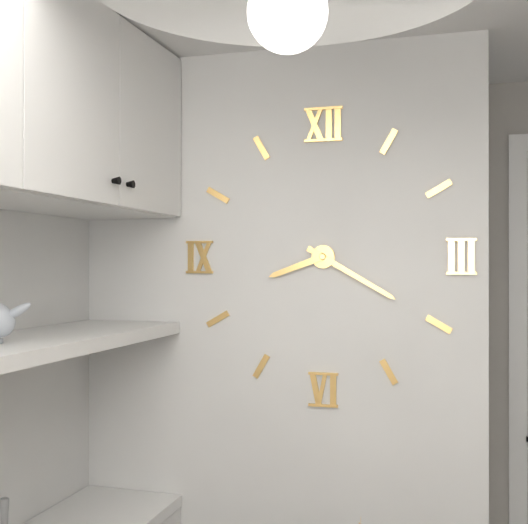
8h20
